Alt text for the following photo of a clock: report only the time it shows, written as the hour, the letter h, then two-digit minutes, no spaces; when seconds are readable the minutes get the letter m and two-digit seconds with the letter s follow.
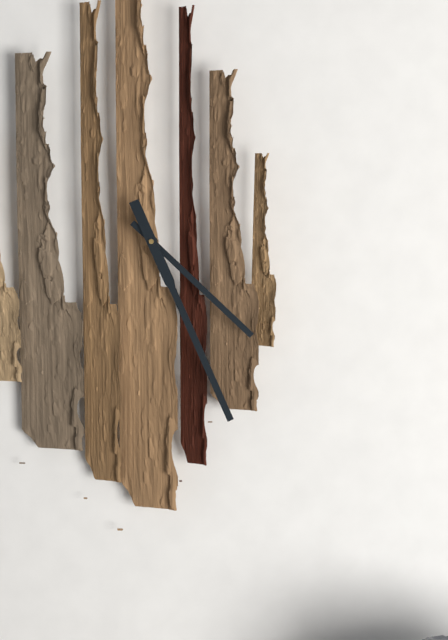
4h26
